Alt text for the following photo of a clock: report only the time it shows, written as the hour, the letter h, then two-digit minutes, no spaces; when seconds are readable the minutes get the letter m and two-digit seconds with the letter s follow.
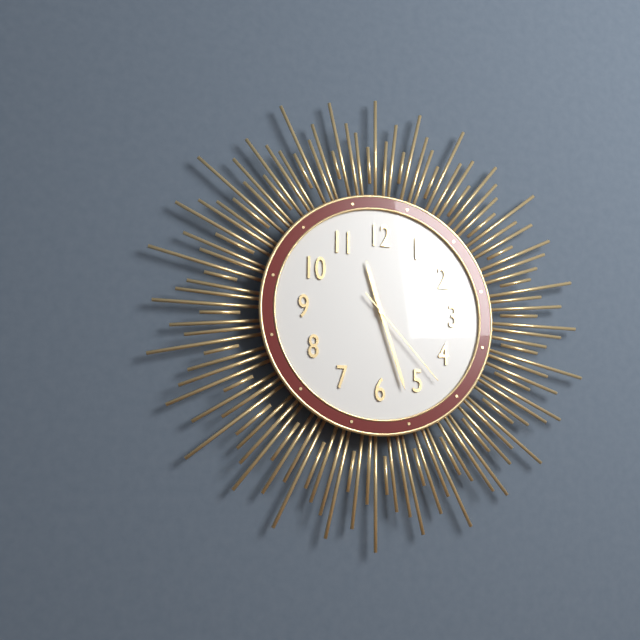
11h27m23s
